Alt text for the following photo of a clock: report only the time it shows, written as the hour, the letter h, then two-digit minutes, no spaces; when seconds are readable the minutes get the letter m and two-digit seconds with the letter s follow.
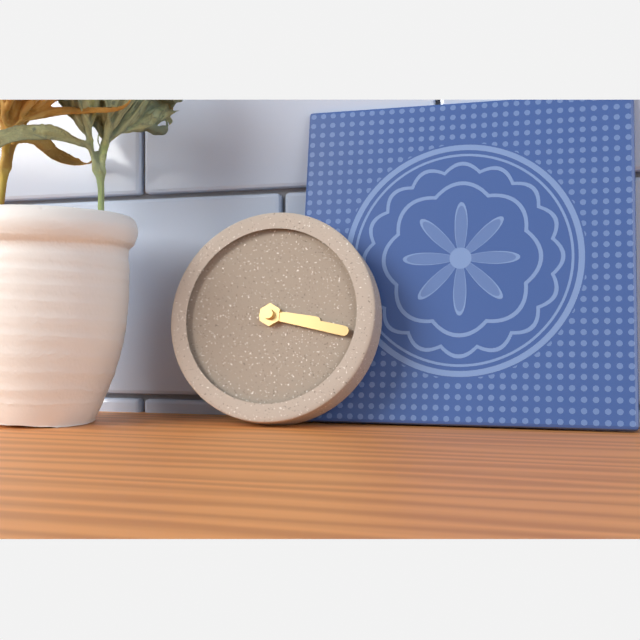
3h17
